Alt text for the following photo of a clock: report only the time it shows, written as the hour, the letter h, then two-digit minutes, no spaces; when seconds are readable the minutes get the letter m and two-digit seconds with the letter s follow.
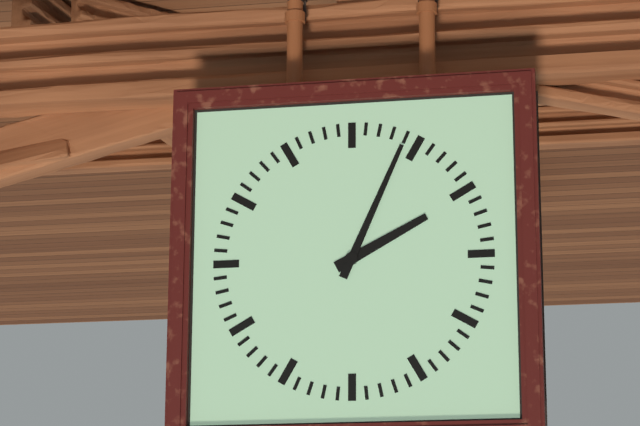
2h04
